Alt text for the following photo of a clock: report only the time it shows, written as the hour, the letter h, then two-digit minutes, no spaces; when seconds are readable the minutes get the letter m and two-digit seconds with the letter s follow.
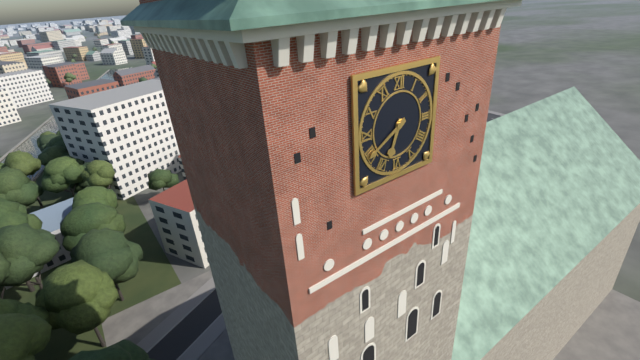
6h40
